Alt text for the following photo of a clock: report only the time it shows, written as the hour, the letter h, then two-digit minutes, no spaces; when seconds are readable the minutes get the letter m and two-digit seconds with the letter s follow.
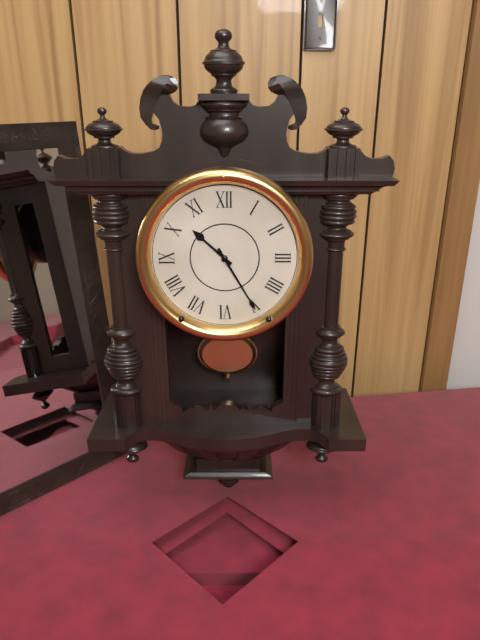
10h25
